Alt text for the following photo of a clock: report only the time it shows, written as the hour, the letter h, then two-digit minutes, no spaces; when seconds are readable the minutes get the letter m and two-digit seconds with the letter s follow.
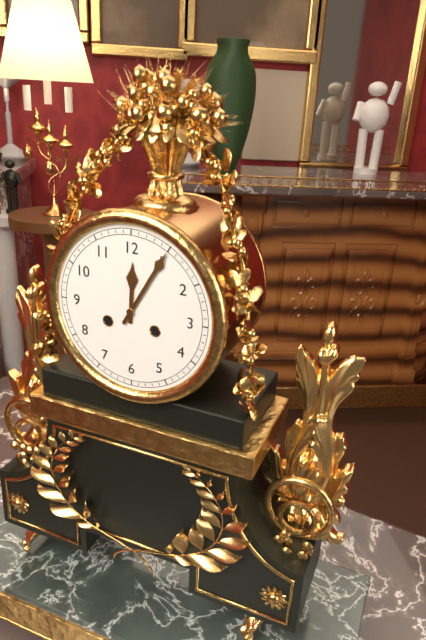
12h05
